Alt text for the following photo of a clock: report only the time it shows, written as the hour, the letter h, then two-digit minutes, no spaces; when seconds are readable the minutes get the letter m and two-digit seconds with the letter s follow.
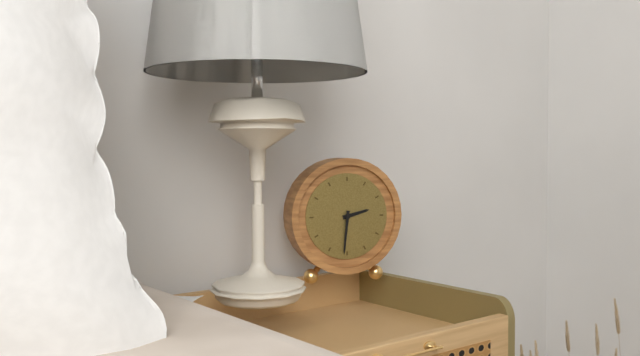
2h31
